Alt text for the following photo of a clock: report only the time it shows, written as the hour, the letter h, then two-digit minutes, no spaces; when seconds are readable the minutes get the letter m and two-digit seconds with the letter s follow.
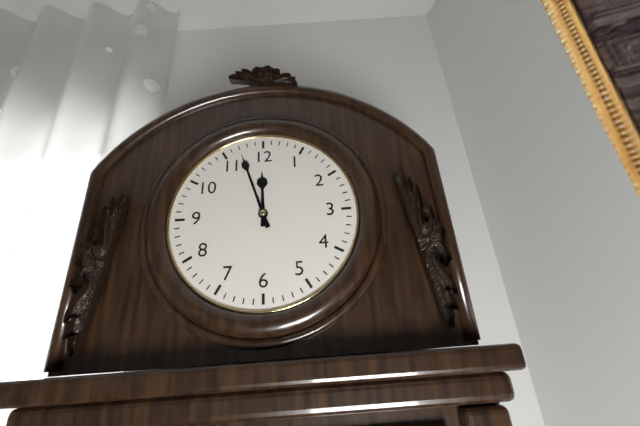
11h57
